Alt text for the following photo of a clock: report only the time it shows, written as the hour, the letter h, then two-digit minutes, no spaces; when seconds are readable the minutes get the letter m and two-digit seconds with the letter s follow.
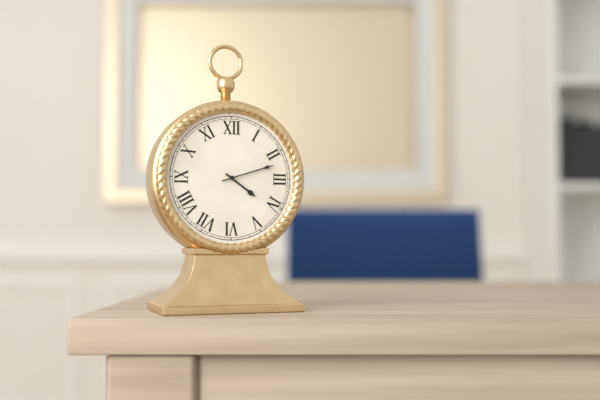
4h12
